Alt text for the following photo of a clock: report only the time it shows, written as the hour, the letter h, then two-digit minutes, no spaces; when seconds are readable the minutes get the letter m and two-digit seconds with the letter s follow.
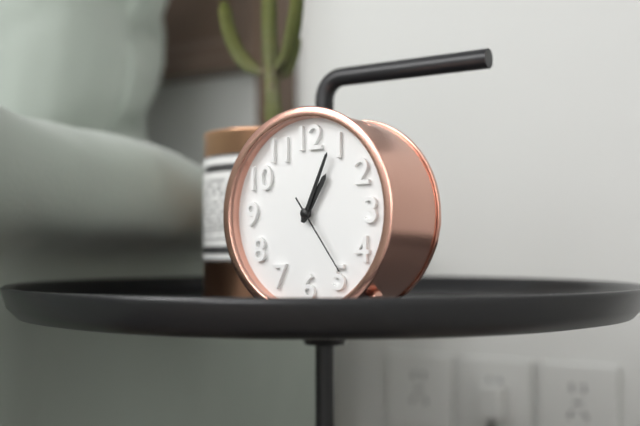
1h04m24s
